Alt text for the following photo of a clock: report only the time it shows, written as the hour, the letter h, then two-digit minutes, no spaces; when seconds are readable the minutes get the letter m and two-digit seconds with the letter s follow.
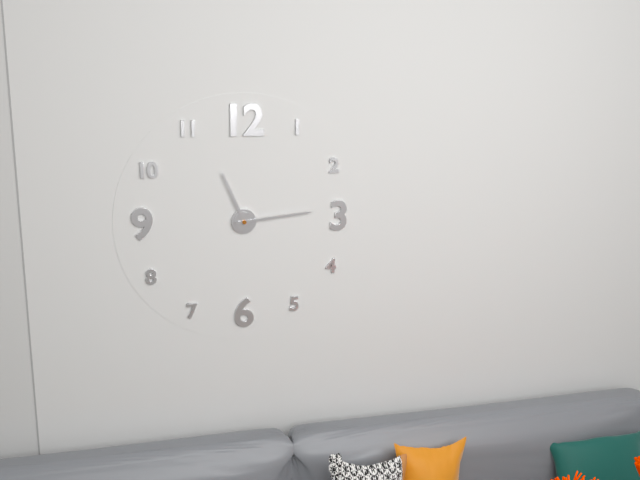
11h14
